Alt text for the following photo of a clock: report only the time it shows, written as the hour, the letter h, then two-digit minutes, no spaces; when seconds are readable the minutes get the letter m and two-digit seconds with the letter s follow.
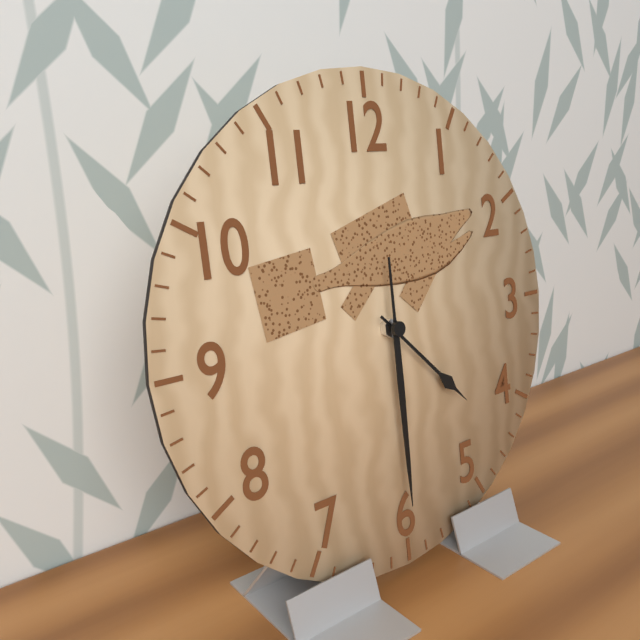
4h30
